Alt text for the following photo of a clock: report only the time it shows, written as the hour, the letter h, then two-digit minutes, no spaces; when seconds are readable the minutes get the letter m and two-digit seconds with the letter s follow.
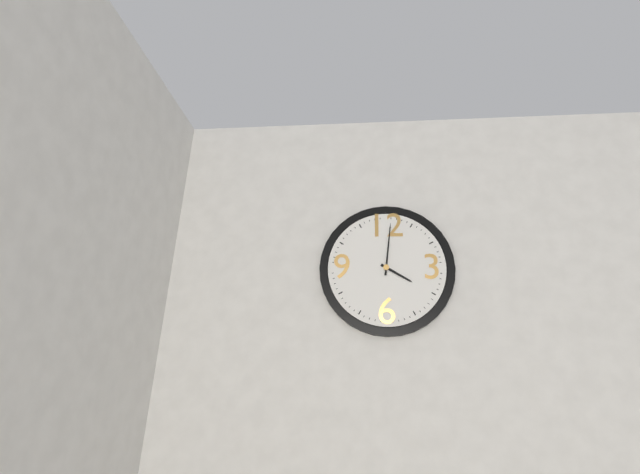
4h01
